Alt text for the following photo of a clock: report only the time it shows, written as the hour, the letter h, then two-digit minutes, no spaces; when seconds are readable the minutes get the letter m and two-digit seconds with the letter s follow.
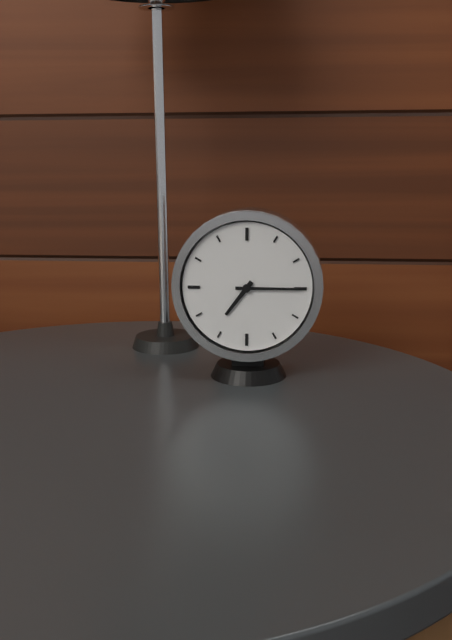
7h15
